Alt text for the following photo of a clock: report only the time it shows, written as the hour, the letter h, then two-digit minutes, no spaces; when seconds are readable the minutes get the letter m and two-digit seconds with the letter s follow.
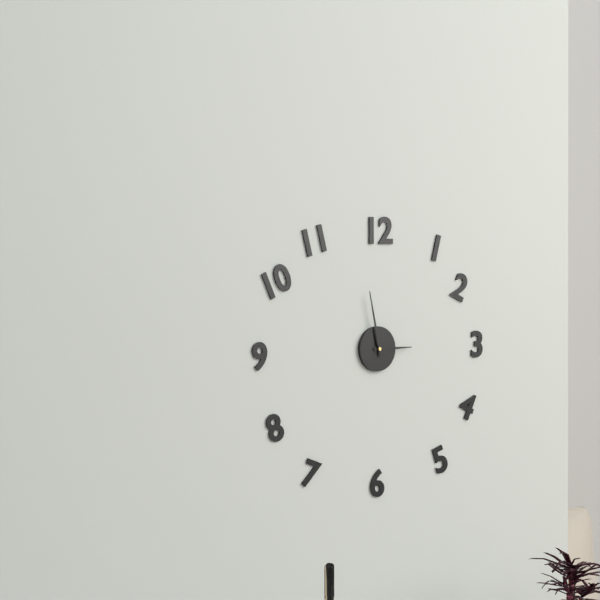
2h58
